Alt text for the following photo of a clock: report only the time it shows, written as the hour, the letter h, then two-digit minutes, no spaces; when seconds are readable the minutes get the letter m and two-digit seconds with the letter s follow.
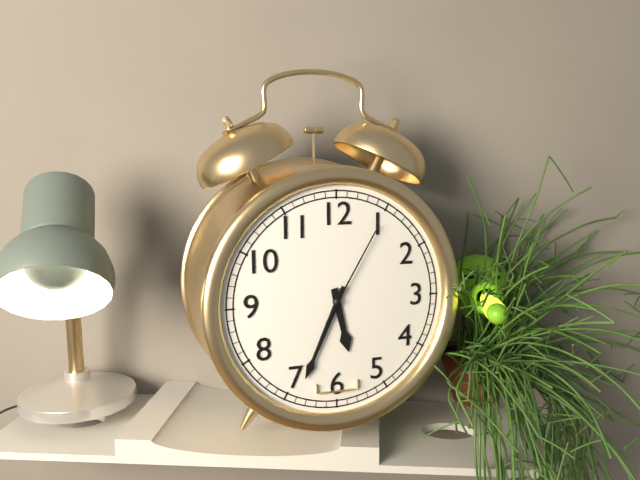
5h34m05s
